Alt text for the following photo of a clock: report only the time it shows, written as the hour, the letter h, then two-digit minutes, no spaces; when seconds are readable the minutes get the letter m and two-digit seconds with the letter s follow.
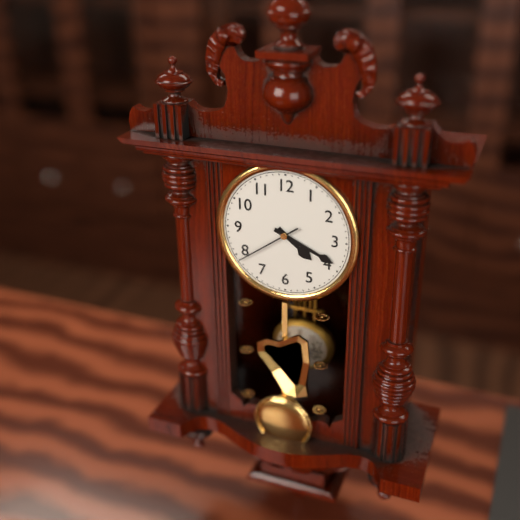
4h19m39s
